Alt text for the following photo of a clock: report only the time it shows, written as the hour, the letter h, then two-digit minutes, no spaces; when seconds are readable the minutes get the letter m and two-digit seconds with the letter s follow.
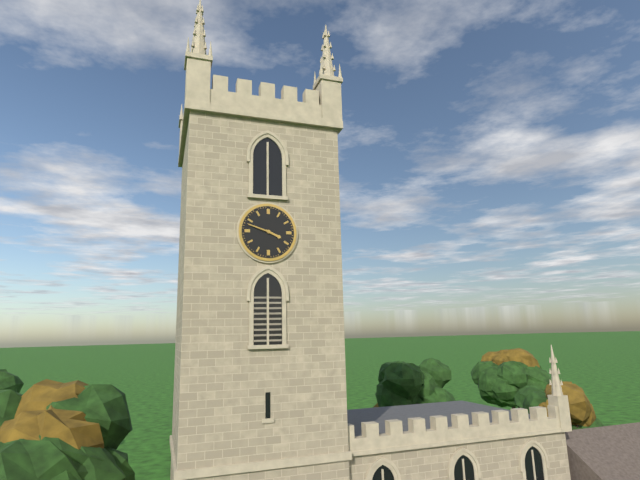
3h48
